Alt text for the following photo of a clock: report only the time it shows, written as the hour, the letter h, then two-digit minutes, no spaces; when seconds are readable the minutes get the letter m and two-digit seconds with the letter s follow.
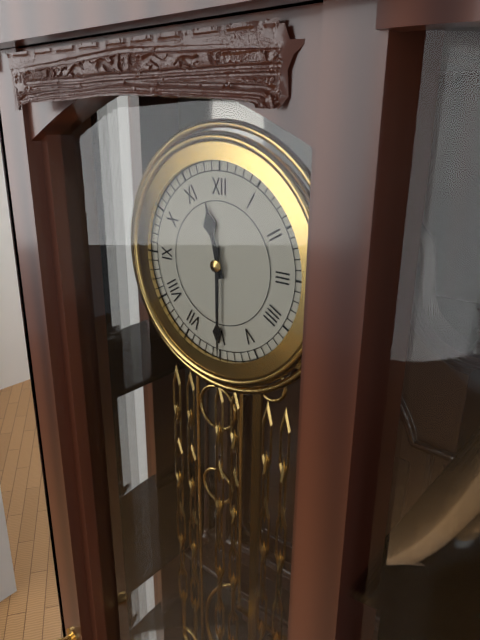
11h30
